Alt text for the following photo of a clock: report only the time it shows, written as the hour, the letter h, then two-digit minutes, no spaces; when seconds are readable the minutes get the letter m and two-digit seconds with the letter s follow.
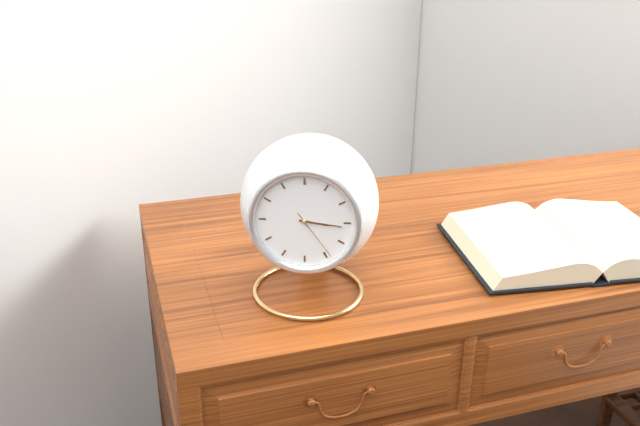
3h16m24s
